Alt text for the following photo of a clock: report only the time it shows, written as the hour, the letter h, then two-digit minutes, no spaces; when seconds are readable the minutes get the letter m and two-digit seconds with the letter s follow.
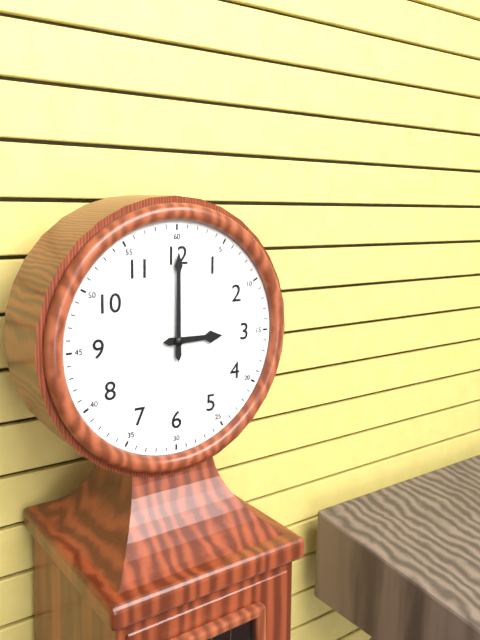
3h00
